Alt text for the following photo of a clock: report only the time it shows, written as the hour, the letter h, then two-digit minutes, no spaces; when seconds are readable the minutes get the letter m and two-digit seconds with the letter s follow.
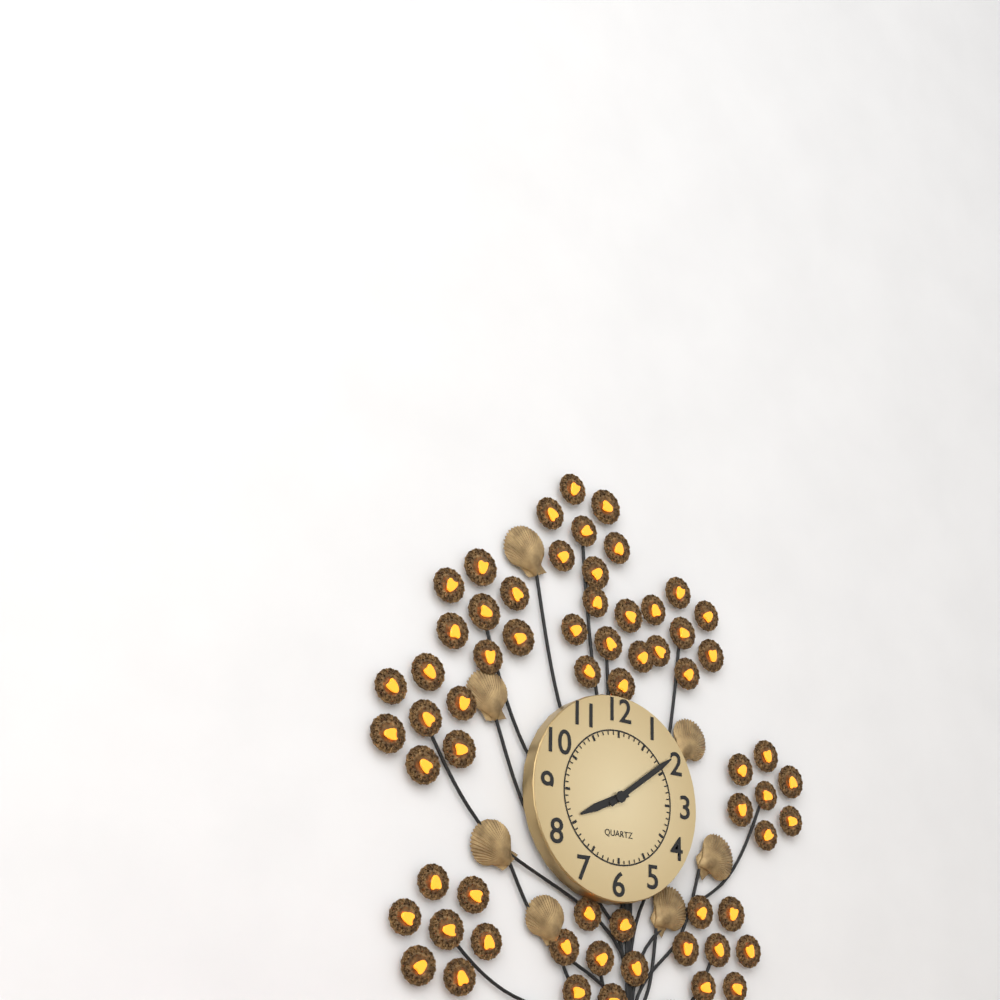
8h09
